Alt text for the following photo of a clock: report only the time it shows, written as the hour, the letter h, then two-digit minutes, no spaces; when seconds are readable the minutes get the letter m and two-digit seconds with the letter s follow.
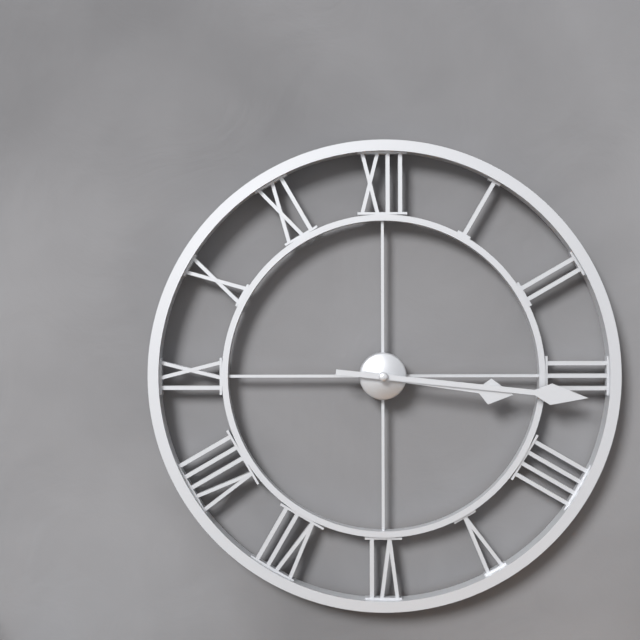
3h16
